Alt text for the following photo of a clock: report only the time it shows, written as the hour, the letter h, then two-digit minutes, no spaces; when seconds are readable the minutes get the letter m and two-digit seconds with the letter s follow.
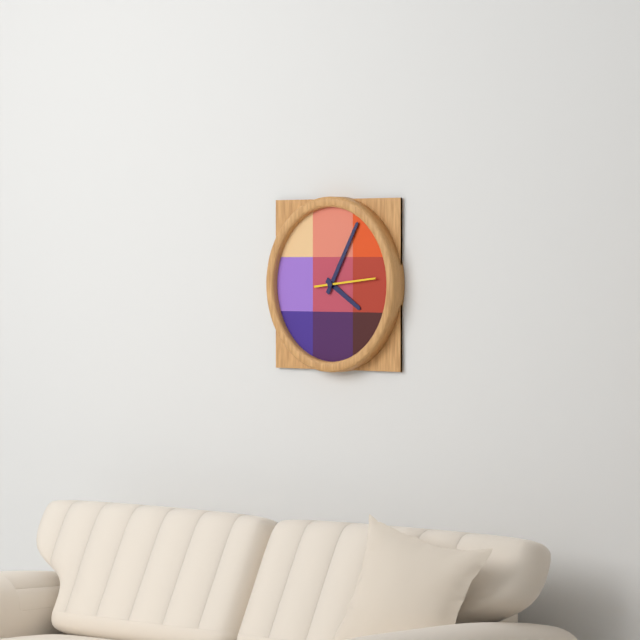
4h05m14s
